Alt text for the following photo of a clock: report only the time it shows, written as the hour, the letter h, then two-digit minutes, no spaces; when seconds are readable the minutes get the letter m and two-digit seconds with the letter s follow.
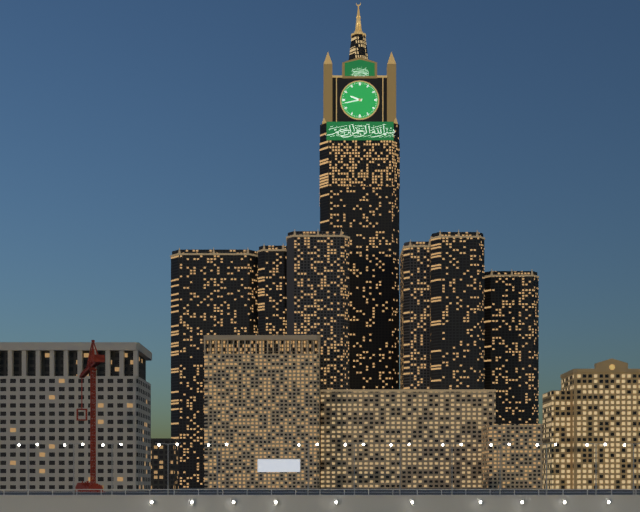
9h43
